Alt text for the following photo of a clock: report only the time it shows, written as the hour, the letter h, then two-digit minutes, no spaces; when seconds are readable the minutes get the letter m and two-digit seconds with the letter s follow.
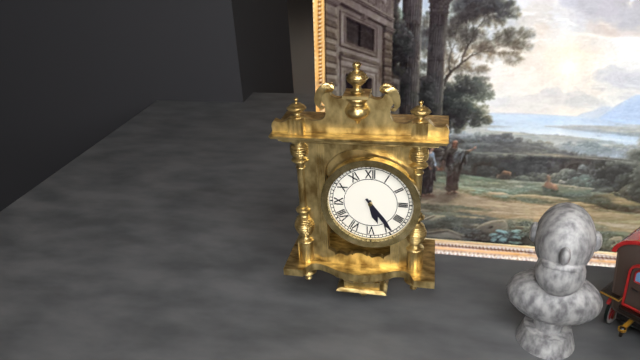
5h24
